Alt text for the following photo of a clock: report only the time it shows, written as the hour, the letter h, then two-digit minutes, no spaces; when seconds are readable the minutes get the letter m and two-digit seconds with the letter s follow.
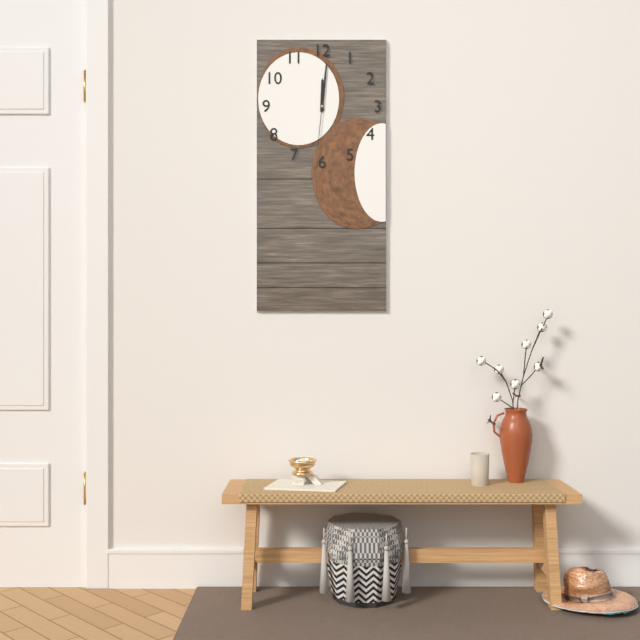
12h01m31s
